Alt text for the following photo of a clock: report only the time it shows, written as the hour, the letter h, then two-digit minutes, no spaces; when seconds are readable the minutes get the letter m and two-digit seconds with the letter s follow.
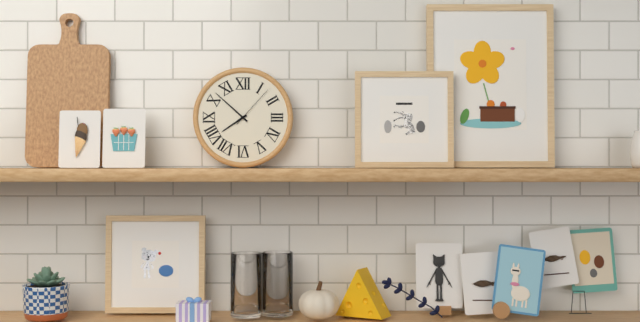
7h52
